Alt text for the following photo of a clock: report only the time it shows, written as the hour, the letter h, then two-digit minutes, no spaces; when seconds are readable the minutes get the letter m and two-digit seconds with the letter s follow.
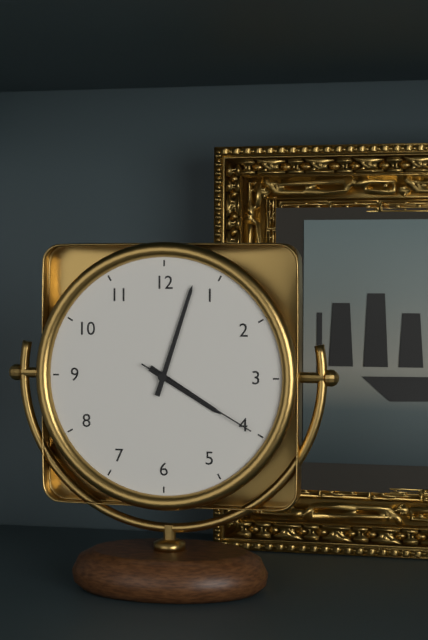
4h03m20s
